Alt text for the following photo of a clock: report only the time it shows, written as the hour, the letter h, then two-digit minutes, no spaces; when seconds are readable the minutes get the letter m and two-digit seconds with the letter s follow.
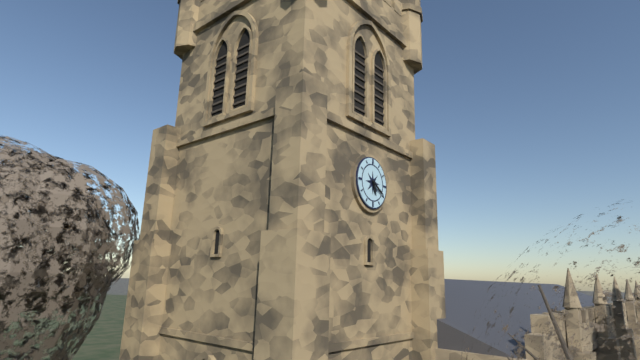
5h20
